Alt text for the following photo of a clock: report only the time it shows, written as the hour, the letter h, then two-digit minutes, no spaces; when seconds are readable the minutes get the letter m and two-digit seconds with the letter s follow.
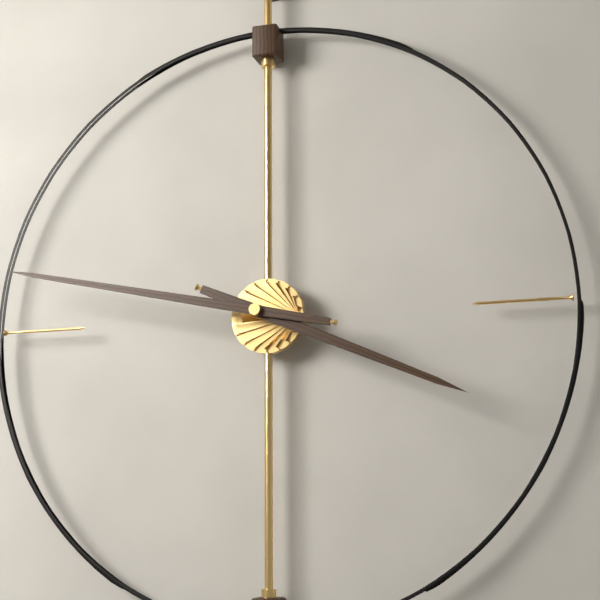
3h47
